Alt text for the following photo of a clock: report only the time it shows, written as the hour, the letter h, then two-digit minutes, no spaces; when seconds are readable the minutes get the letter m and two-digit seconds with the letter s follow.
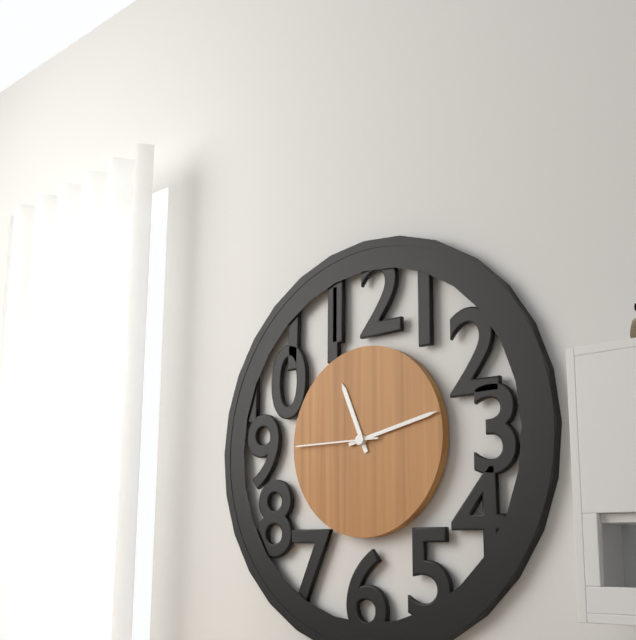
11h13m45s
